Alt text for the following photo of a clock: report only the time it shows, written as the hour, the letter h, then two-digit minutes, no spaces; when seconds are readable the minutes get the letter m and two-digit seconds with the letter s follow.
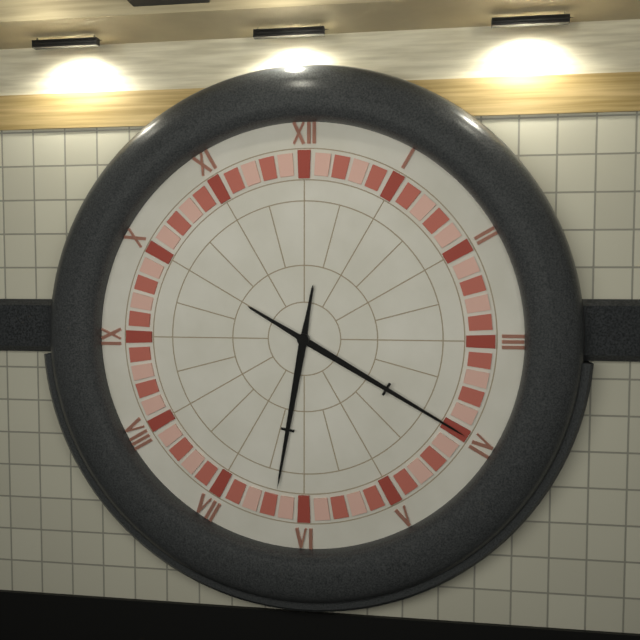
6h20
